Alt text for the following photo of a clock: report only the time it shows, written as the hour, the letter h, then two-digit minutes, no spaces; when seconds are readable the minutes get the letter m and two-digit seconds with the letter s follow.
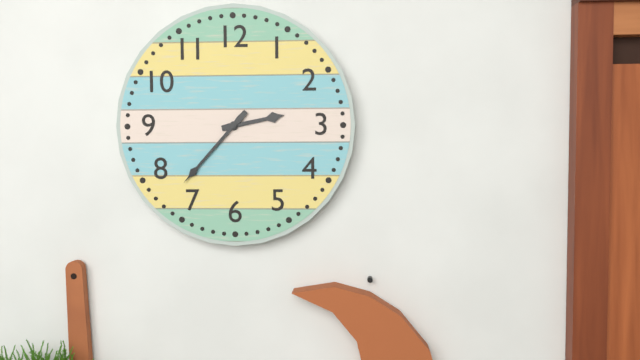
2h37
